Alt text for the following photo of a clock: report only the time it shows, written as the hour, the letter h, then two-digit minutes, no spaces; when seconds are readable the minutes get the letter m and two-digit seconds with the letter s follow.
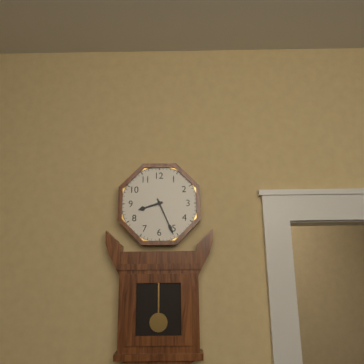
8h26
